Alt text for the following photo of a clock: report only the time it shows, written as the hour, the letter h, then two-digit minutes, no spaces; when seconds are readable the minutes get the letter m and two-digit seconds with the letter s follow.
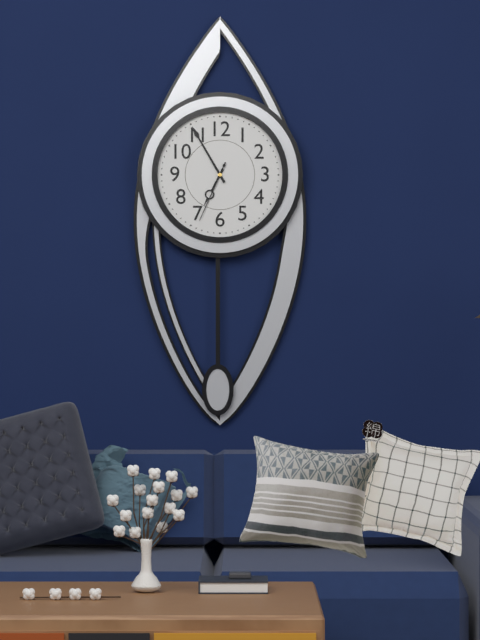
6h55m34s
